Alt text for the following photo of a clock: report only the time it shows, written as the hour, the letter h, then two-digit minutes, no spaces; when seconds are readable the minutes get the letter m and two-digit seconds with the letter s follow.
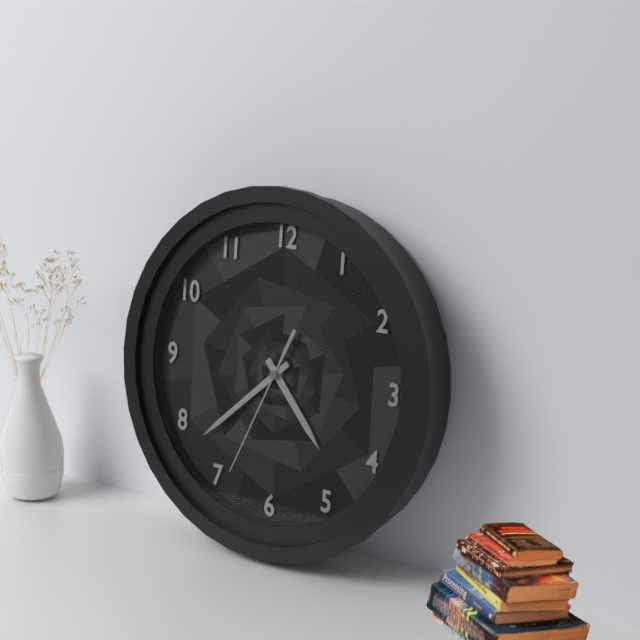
4h38m34s
